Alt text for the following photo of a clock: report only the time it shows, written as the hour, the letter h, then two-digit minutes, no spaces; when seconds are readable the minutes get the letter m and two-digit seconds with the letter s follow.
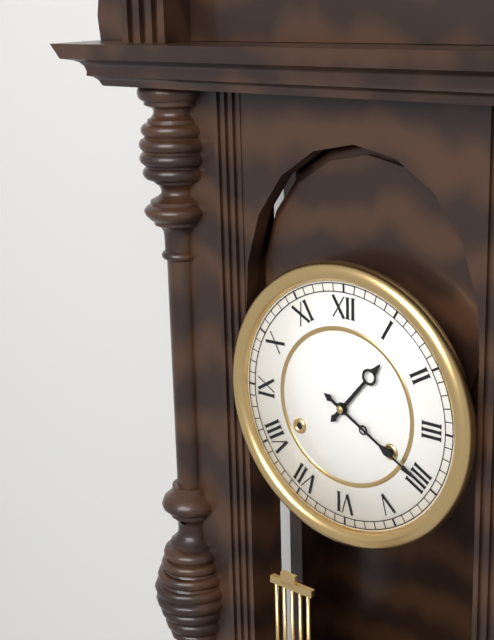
1h20
